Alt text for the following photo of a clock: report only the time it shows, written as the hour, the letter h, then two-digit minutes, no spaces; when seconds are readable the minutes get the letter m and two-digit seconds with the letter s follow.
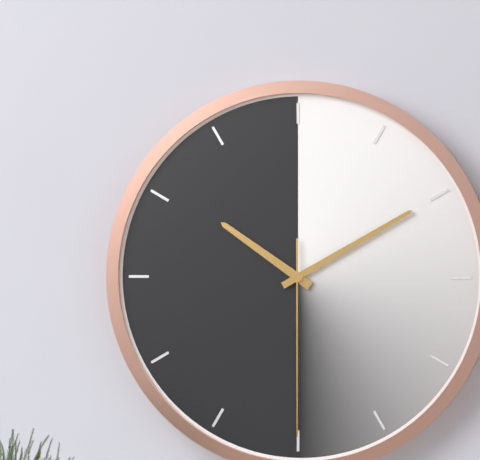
10h10m30s
